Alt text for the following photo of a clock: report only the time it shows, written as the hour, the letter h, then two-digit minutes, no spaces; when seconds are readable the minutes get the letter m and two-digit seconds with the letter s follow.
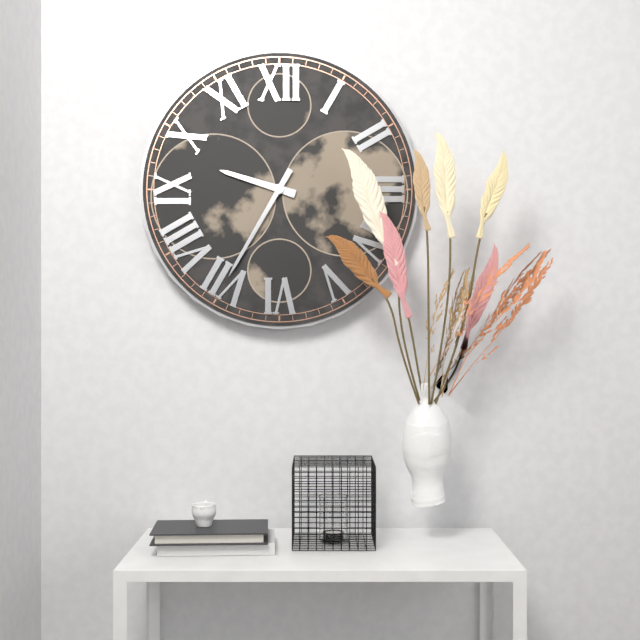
9h35
